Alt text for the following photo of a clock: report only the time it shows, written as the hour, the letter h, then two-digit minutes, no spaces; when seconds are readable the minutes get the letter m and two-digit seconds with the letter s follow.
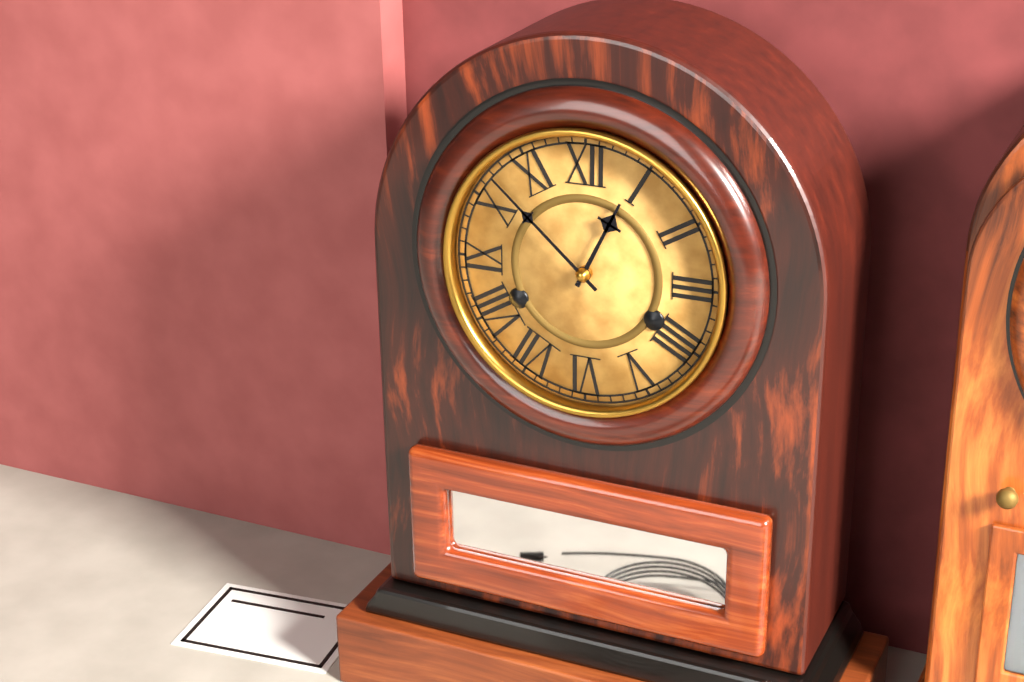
12h52
